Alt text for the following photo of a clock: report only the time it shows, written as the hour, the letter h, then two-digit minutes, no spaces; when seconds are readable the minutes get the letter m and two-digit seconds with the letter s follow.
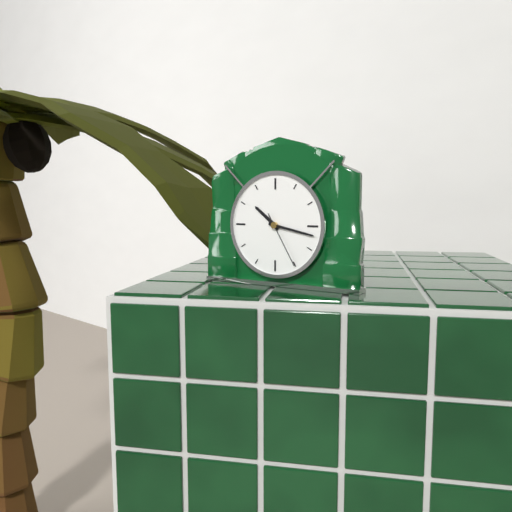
10h17m25s
